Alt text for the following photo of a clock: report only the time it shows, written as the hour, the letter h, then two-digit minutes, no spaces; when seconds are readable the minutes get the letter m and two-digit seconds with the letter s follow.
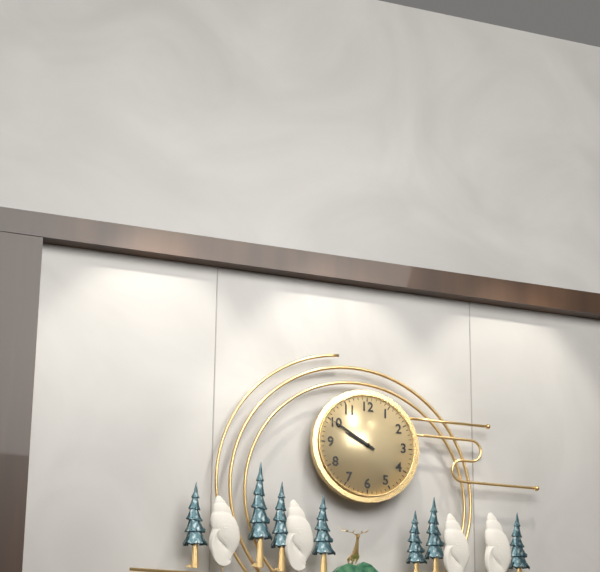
9h50
